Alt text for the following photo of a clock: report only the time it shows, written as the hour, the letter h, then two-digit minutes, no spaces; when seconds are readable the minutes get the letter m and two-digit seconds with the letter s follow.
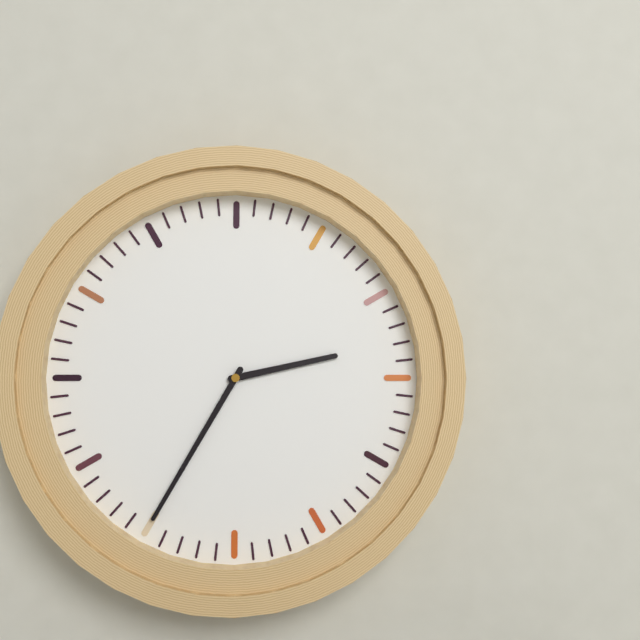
2h35
